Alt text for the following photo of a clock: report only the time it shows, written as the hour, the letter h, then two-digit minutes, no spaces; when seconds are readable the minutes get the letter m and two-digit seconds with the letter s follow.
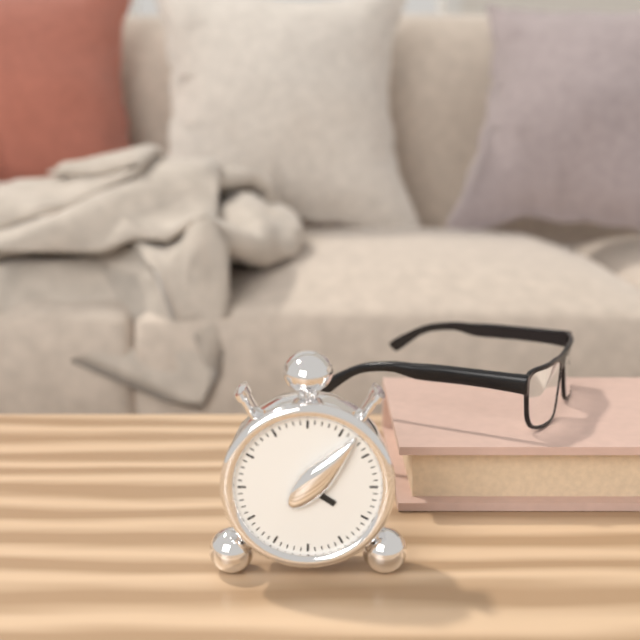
4h07
